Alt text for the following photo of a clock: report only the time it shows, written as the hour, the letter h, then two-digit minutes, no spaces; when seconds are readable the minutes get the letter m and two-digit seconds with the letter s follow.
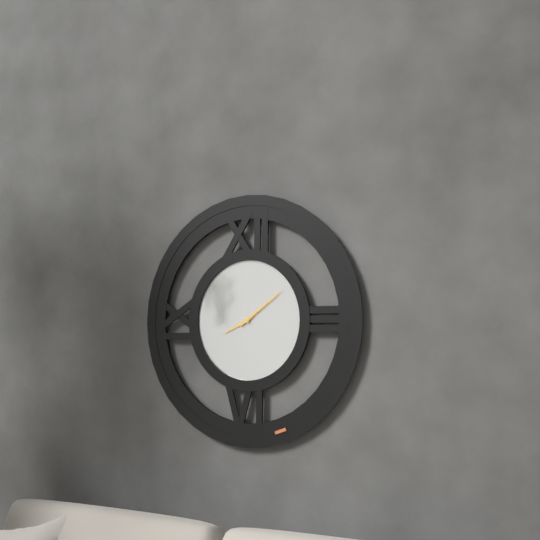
8h09
